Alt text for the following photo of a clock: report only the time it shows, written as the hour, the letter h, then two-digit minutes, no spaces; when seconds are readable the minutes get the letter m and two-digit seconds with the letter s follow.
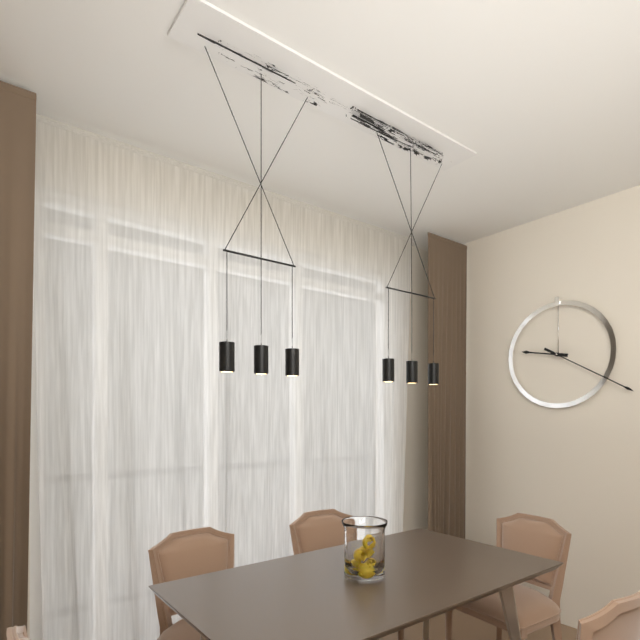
9h20
